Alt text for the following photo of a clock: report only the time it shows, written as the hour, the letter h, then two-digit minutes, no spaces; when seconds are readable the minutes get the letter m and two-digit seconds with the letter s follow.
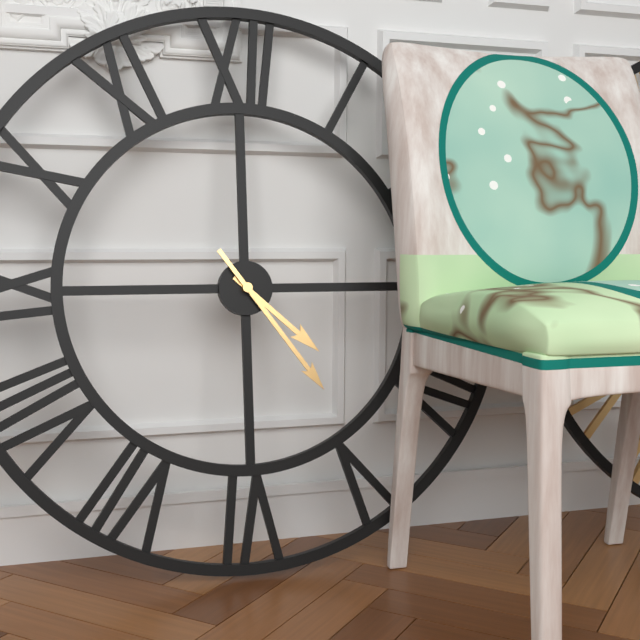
4h24
